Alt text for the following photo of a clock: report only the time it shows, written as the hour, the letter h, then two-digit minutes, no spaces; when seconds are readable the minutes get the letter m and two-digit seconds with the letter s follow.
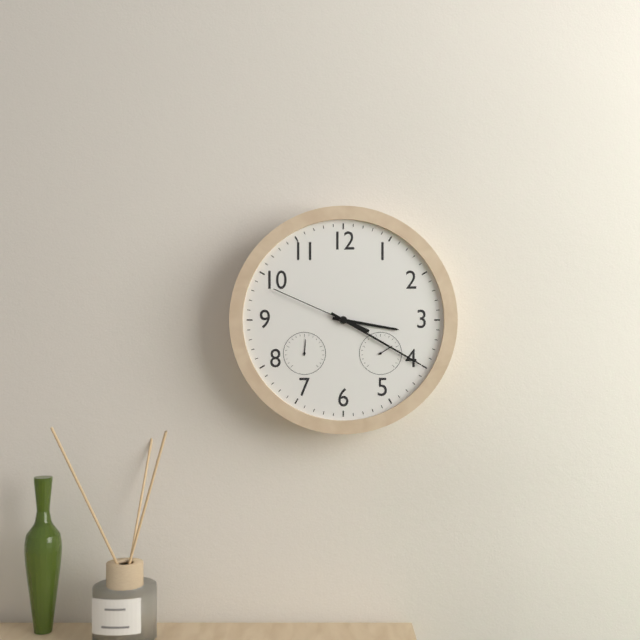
3h20m49s
